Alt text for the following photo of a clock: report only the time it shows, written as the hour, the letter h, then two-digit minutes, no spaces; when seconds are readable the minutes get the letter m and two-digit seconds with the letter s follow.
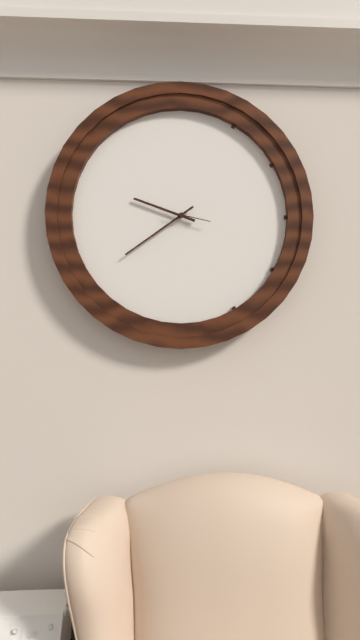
9h39
